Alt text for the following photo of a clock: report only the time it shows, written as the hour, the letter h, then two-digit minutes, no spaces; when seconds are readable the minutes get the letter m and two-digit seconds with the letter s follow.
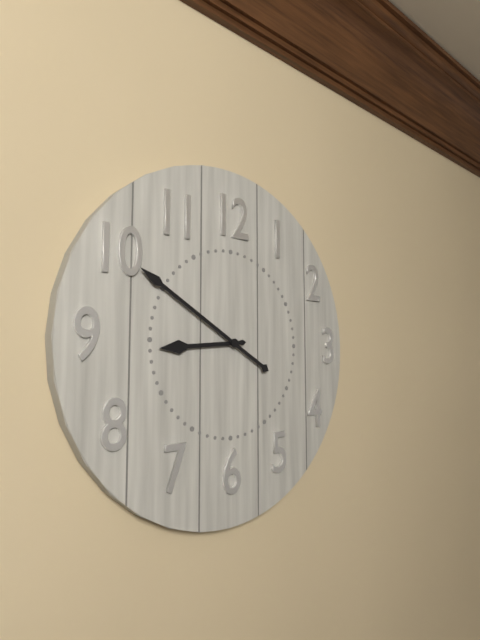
8h50
